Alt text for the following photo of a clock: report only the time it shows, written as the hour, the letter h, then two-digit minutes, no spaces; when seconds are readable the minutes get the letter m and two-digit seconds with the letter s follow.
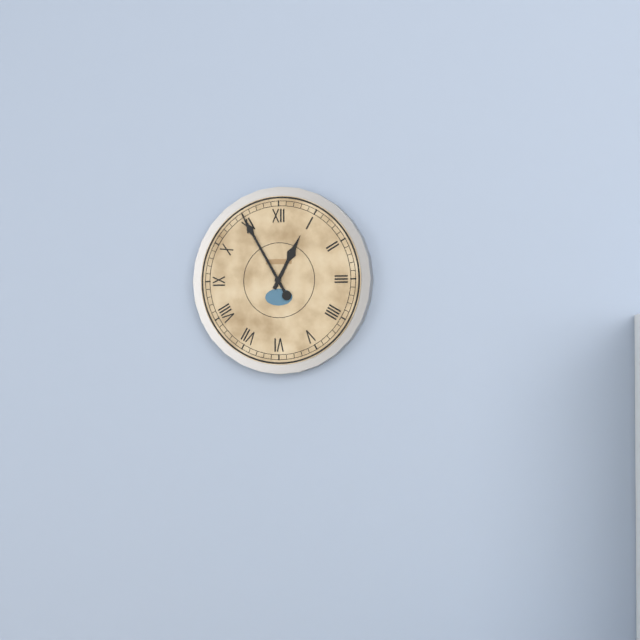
12h55
